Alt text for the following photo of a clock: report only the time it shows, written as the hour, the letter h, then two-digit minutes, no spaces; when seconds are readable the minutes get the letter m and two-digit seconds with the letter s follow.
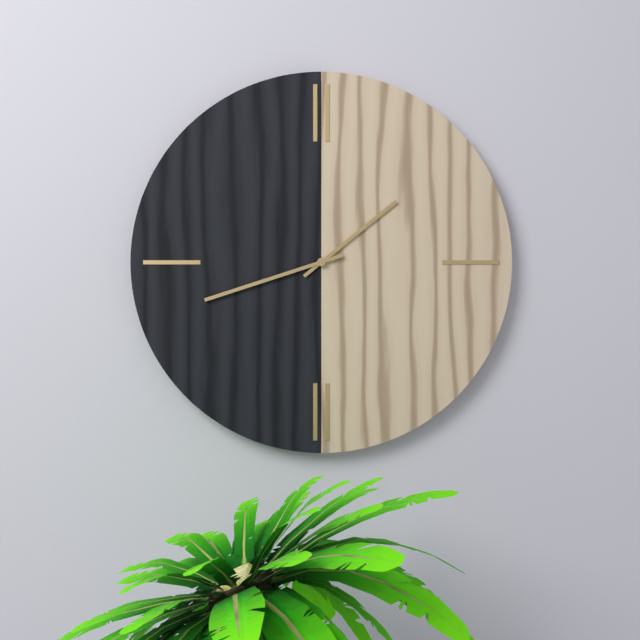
1h42
